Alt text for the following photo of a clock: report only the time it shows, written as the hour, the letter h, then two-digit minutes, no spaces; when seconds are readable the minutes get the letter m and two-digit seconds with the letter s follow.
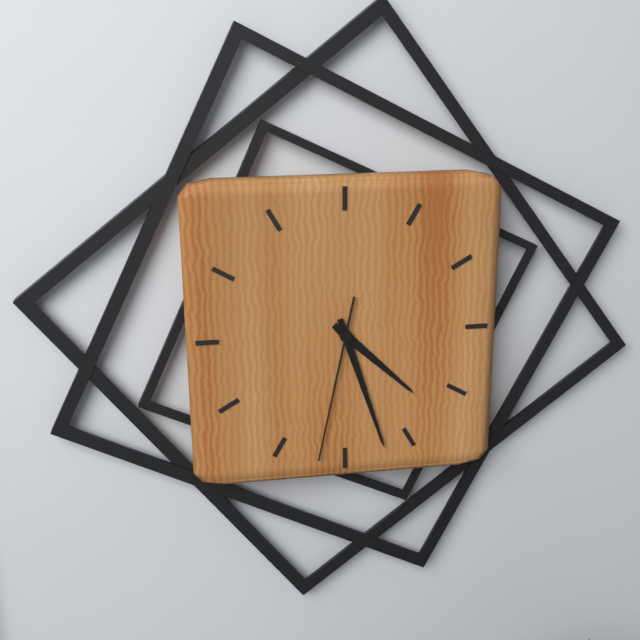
4h27m32s
